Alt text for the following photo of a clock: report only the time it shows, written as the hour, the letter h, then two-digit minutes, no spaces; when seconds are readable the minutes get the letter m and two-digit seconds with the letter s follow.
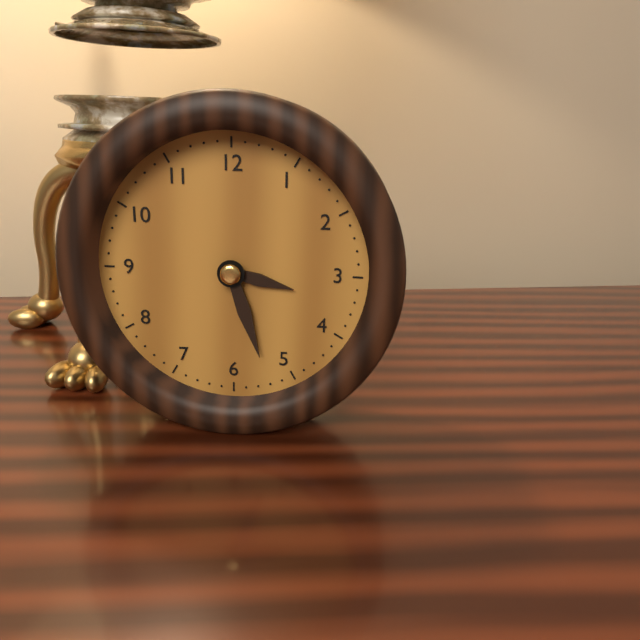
3h27
